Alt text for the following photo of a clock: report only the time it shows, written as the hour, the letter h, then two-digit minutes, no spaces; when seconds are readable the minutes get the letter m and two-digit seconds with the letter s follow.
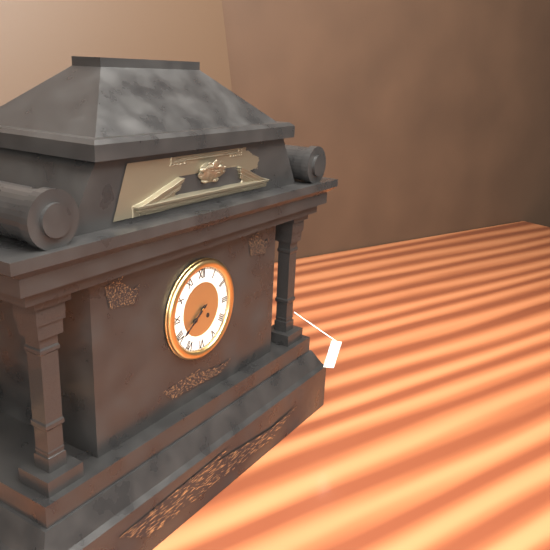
7h39
